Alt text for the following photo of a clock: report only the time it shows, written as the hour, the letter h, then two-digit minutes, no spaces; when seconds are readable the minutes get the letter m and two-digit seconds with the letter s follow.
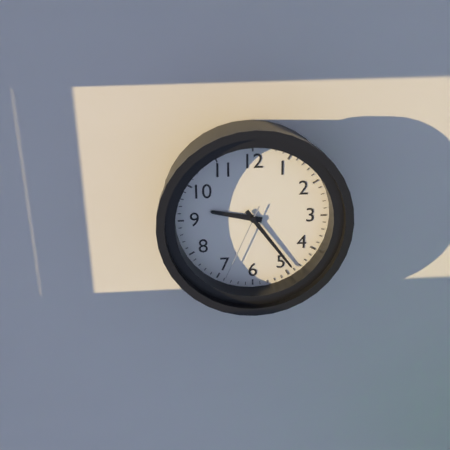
9h24m34s
